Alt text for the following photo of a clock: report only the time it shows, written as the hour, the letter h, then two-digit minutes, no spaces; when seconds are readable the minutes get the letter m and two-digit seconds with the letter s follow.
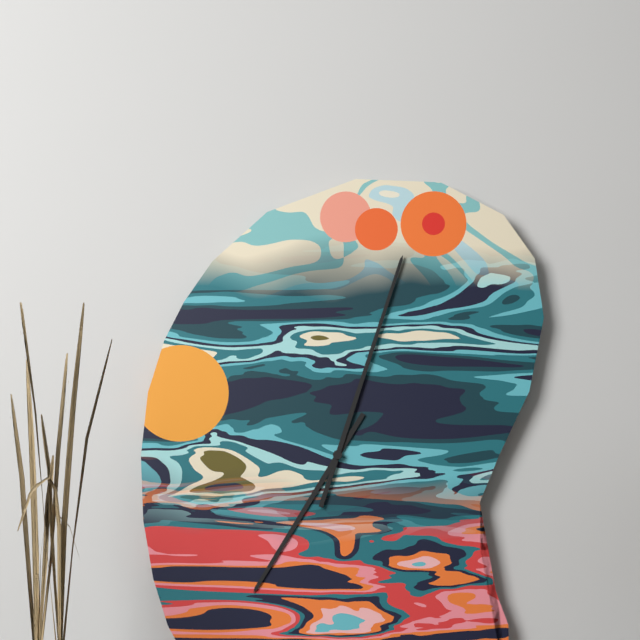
7h03
